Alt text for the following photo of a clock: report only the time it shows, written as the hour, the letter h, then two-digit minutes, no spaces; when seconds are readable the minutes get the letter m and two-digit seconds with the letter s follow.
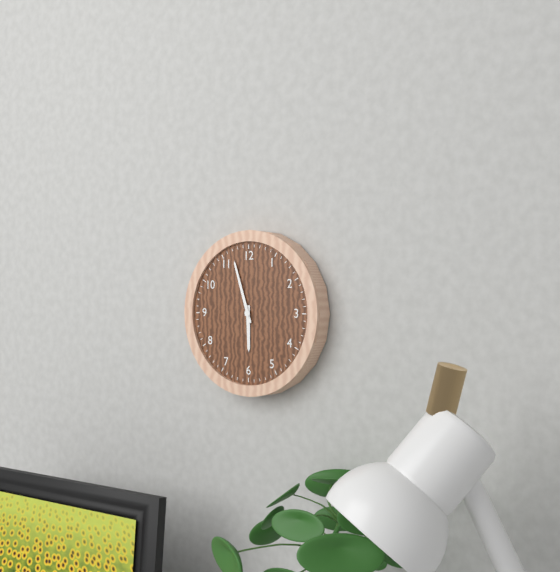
5h57
